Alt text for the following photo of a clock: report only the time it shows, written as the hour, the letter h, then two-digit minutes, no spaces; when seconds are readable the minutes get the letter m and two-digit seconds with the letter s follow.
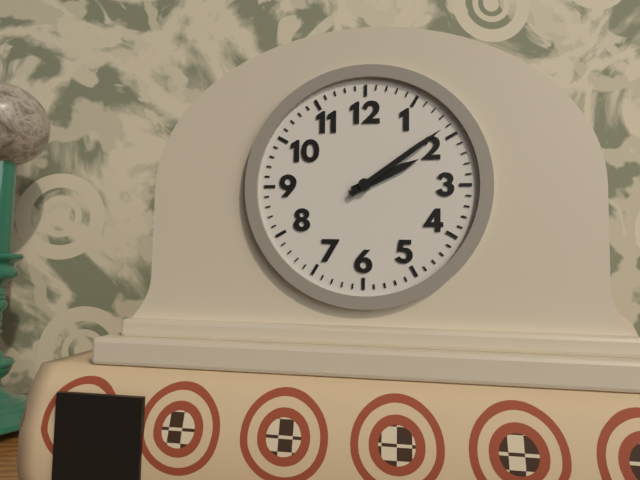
2h09
